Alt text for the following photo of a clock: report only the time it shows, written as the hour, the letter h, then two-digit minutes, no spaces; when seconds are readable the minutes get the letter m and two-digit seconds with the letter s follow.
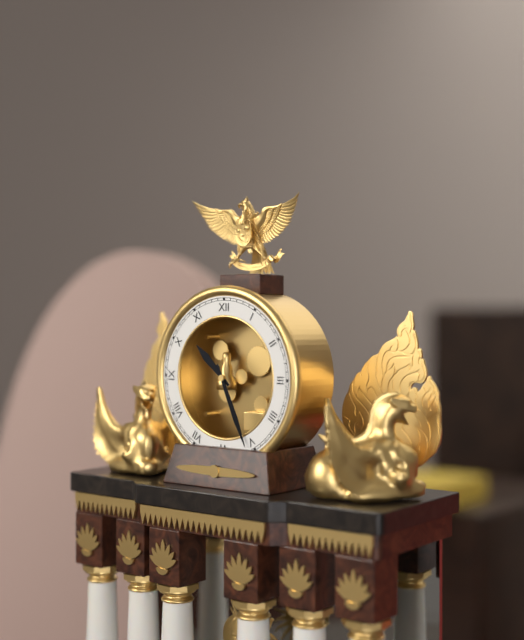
10h26
